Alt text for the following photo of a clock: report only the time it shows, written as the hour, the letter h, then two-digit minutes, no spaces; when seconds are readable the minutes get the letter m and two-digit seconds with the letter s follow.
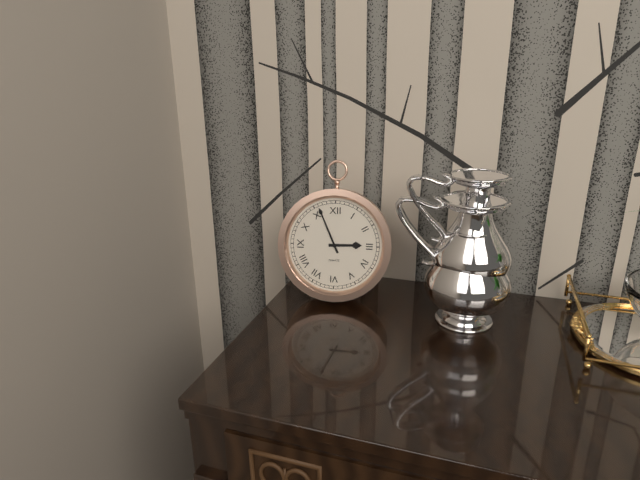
2h56
